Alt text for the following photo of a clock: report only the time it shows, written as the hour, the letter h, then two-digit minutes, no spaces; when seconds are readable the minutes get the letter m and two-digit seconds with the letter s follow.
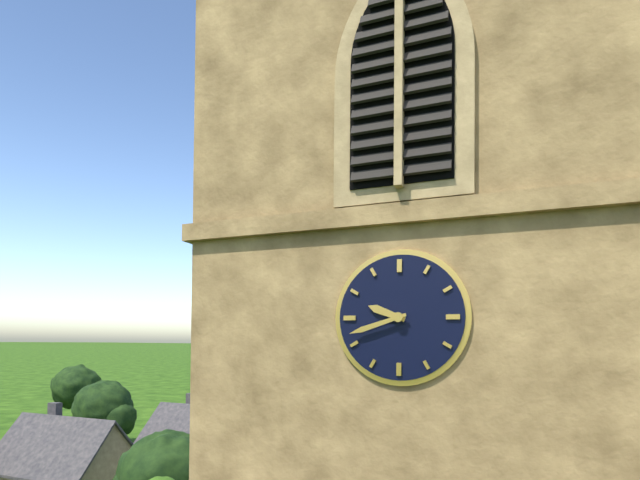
9h42
